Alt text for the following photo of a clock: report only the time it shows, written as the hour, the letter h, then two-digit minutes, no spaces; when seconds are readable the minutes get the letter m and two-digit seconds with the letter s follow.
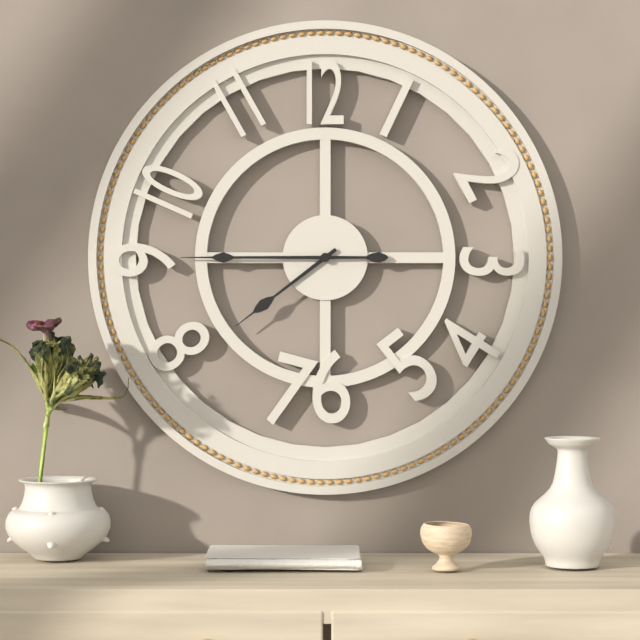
7h45
